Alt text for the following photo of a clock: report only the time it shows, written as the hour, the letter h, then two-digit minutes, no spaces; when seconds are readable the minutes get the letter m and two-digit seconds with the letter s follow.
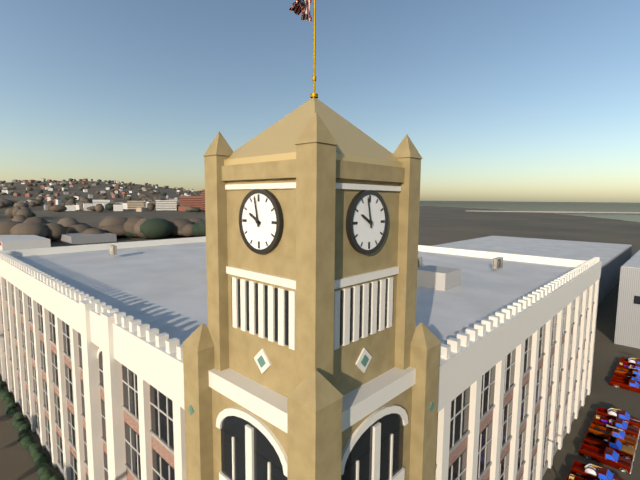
9h58
